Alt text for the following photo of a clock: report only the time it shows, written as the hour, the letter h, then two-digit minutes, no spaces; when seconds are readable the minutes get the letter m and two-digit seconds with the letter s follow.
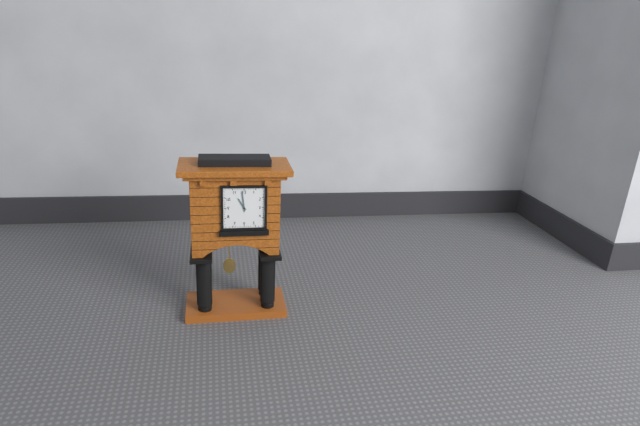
10h59
